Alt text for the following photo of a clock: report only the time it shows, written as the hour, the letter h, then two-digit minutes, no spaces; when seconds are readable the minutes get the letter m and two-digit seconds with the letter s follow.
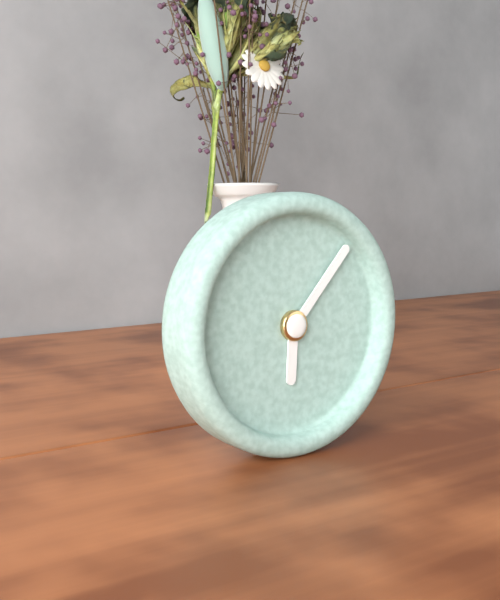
6h07
